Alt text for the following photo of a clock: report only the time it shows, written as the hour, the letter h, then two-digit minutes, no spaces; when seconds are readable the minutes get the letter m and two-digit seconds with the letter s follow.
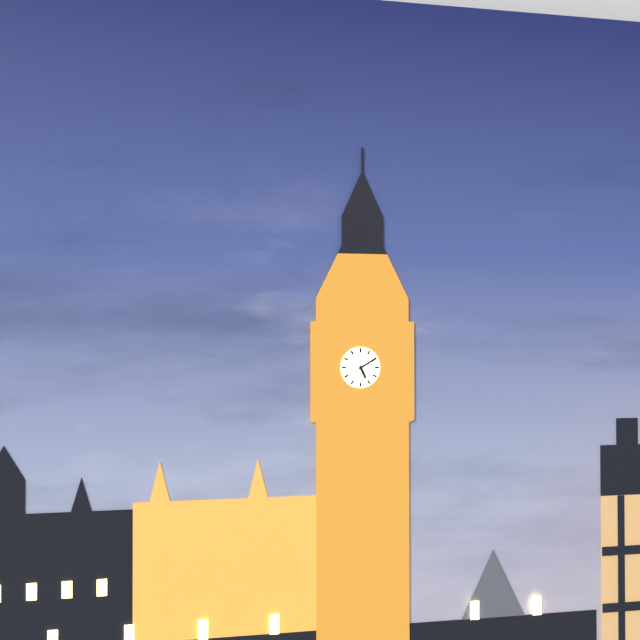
5h10
